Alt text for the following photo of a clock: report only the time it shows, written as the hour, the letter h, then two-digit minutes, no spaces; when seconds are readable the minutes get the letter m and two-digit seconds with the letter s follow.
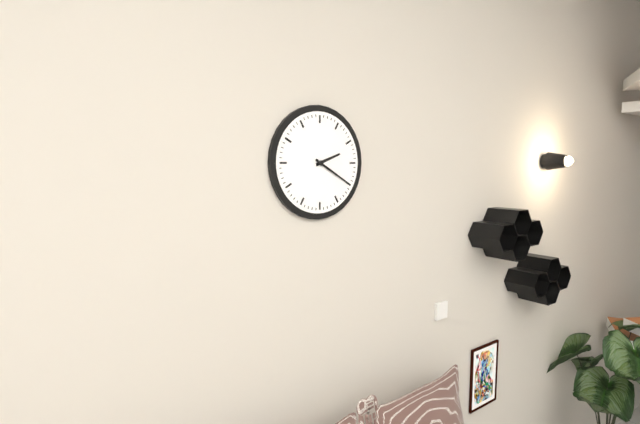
2h20
